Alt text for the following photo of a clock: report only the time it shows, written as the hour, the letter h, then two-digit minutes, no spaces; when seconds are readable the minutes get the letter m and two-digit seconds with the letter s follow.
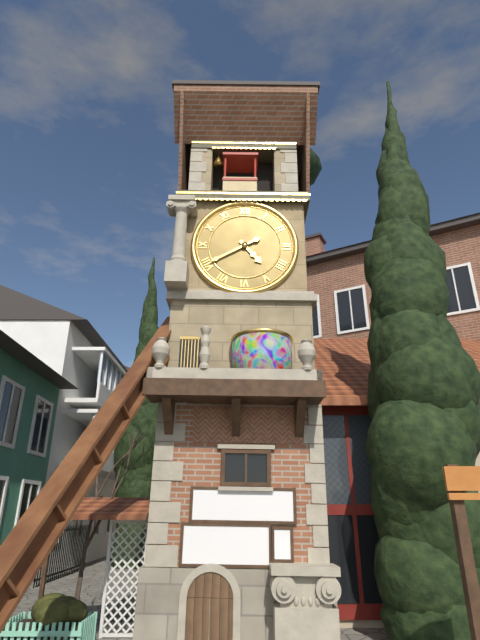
4h40
